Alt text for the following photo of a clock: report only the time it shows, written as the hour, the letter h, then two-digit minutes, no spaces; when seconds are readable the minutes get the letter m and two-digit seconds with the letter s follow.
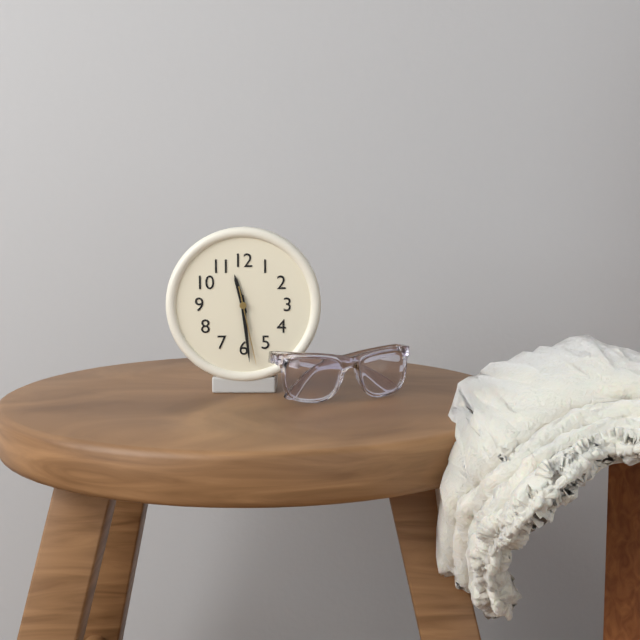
11h29m28s
